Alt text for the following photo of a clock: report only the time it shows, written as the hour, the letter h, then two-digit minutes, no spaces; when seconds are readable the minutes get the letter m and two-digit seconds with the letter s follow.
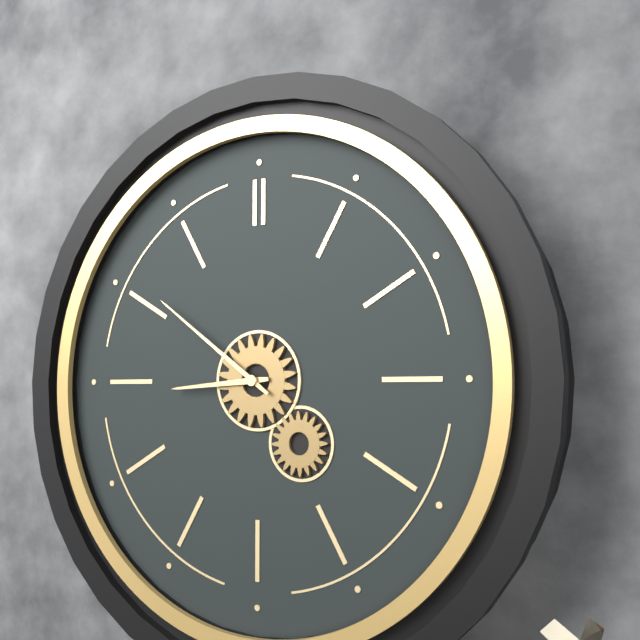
8h51
